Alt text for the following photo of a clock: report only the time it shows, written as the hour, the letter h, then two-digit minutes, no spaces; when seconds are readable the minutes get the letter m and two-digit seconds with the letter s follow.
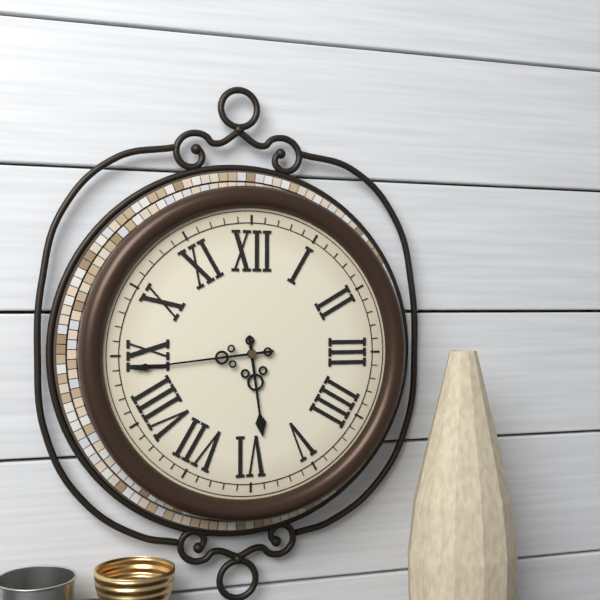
5h44
